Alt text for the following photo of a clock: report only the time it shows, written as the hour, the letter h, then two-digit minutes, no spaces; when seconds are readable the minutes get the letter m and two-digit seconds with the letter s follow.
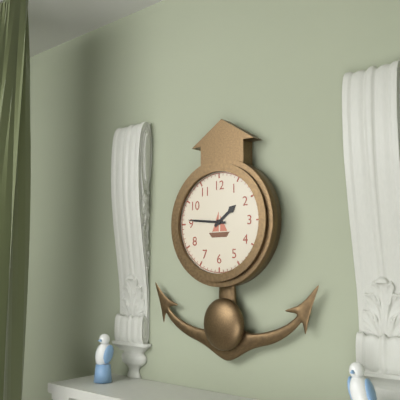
1h46
